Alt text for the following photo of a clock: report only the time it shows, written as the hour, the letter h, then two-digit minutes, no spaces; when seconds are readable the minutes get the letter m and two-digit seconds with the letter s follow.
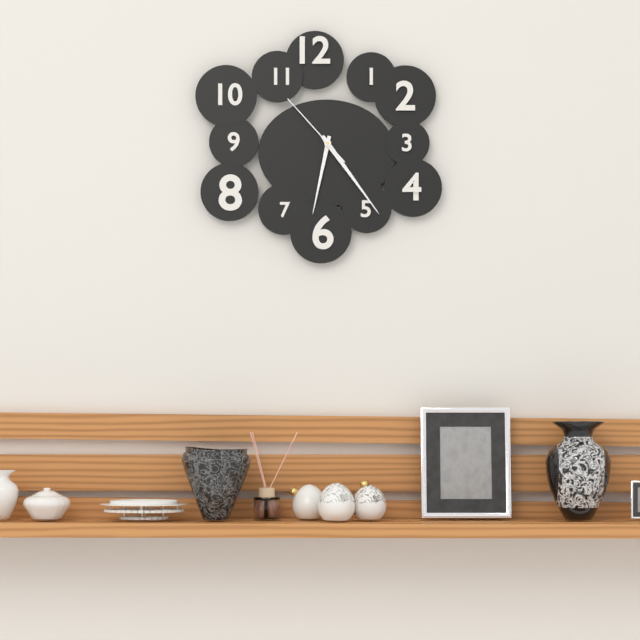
6h24m53s
